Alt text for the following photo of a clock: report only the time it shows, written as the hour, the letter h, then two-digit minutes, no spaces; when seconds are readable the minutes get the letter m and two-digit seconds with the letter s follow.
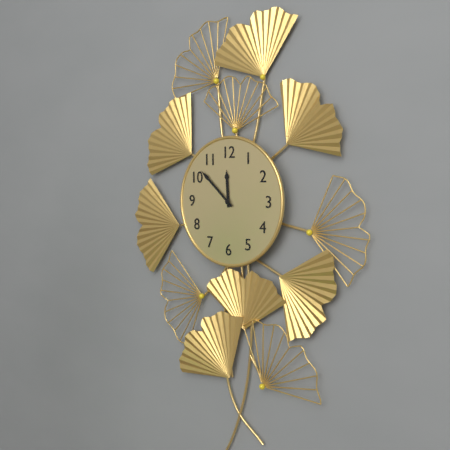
11h52
